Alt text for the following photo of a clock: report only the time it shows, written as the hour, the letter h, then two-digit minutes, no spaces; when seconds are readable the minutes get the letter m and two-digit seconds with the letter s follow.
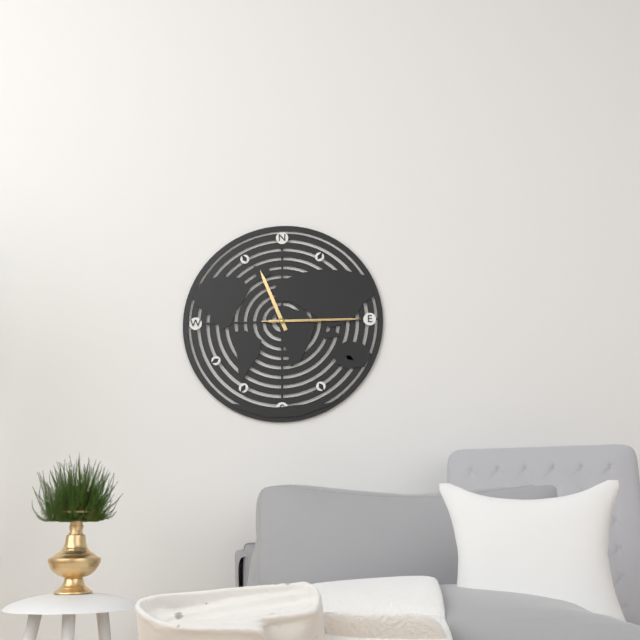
11h15m15s
